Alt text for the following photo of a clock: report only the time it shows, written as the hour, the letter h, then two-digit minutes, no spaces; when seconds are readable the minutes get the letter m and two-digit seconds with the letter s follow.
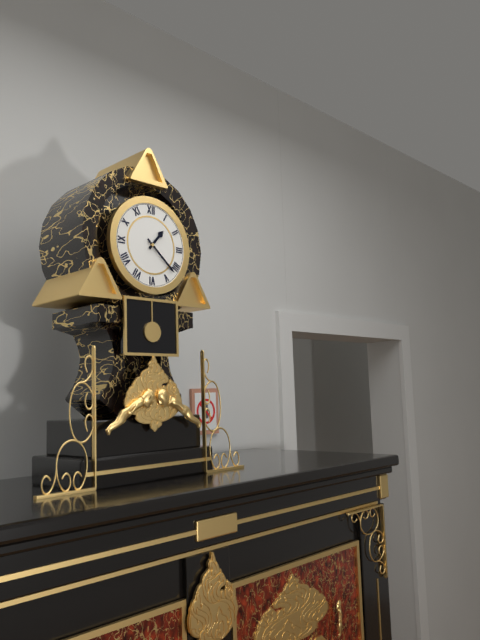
1h22
